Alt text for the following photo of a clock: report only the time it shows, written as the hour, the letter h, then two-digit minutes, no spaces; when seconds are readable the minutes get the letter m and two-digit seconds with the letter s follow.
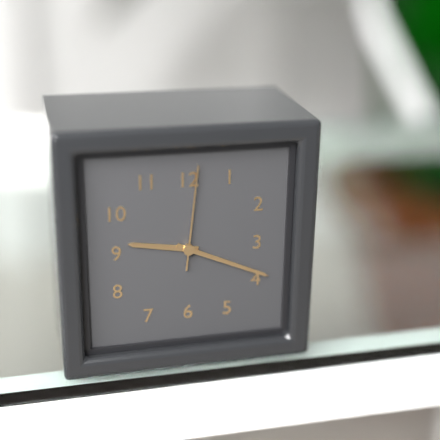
9h19m01s
